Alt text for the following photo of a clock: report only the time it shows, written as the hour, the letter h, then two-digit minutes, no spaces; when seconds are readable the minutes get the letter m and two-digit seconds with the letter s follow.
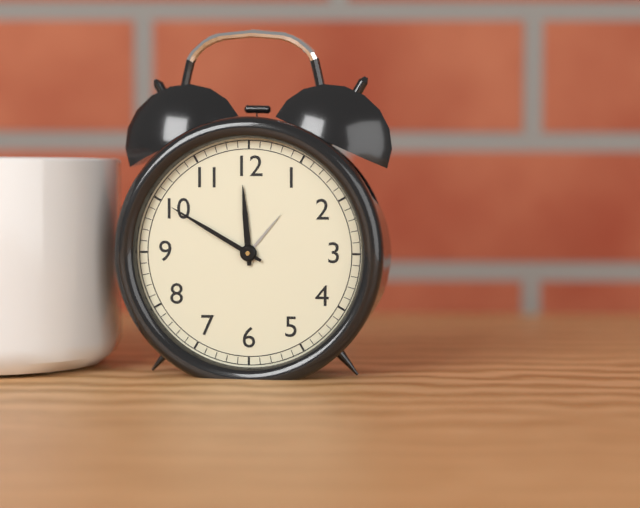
11h50
